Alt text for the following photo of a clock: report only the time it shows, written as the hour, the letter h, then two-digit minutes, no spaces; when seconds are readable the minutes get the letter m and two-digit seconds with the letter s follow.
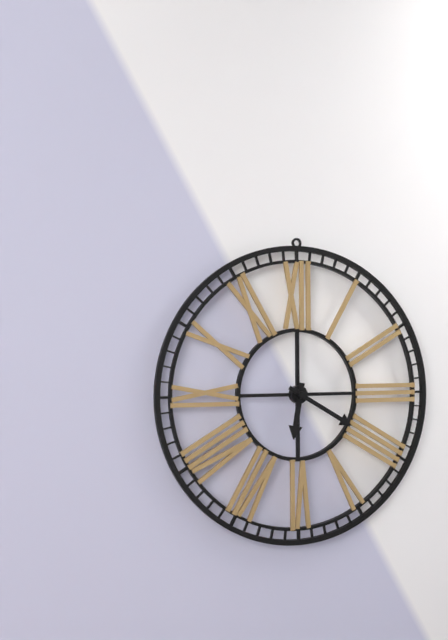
6h20
